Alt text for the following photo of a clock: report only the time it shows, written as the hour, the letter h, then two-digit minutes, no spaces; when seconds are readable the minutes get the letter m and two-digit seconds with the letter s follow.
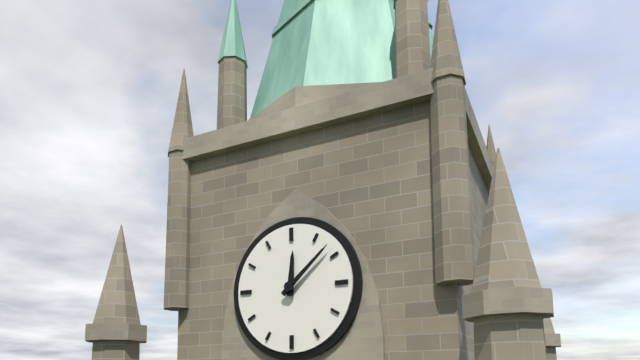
12h08
